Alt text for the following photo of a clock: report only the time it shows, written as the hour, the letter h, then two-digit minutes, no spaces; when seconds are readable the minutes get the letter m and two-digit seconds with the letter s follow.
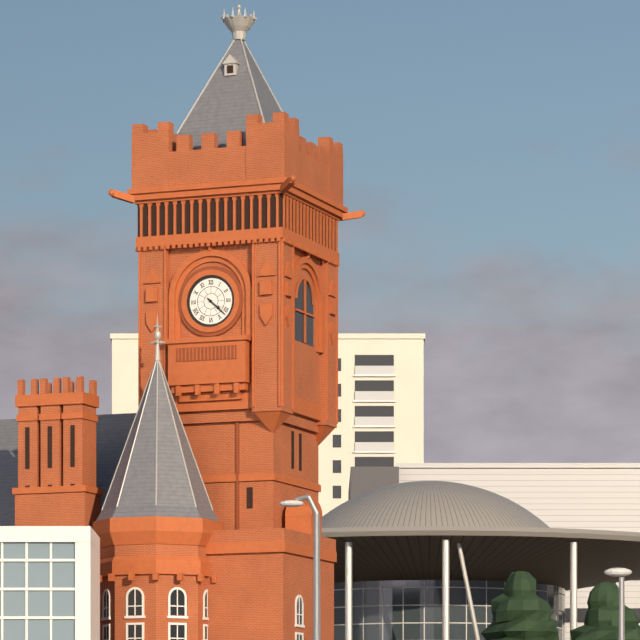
4h22
